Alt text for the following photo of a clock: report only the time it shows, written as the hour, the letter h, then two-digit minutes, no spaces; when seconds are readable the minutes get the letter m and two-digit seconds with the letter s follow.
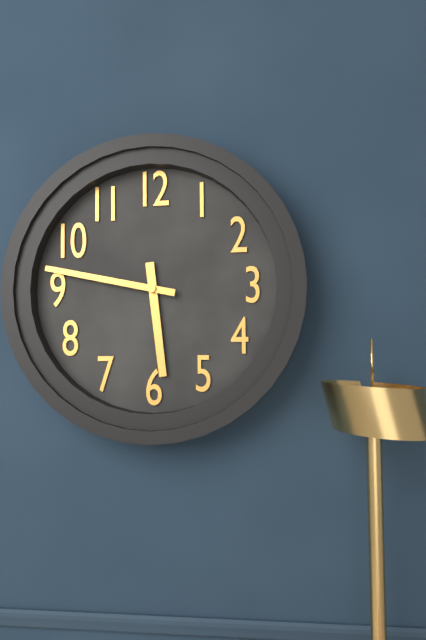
5h47
